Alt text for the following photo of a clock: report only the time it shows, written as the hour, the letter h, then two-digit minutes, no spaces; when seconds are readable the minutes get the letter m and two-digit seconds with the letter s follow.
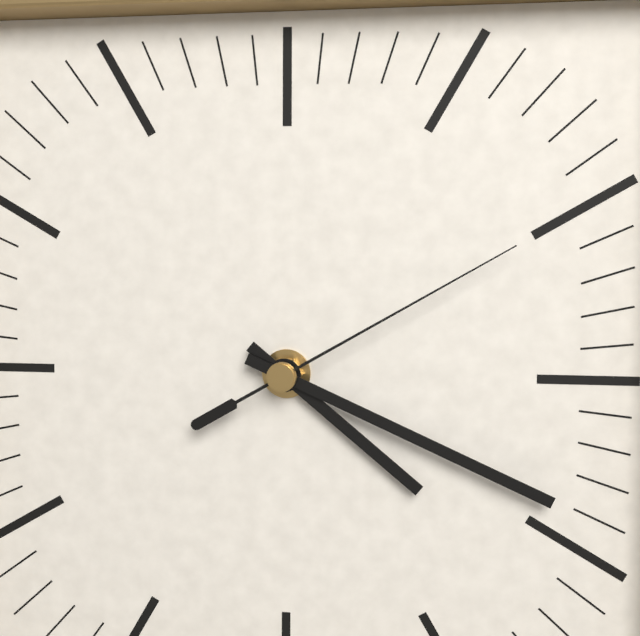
4h19m10s
